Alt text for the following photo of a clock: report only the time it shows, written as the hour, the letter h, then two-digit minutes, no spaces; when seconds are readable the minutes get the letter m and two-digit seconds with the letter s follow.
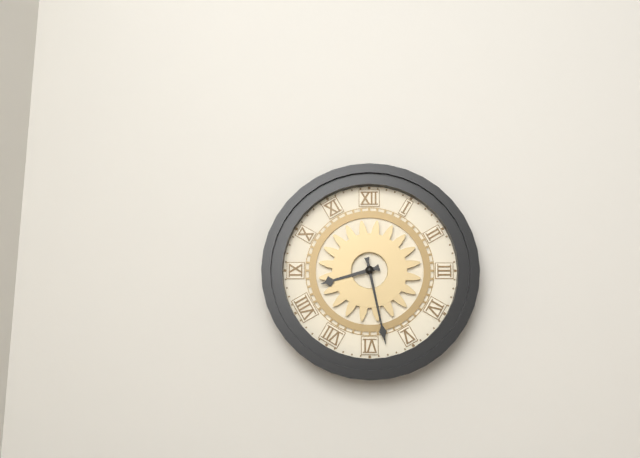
8h28
